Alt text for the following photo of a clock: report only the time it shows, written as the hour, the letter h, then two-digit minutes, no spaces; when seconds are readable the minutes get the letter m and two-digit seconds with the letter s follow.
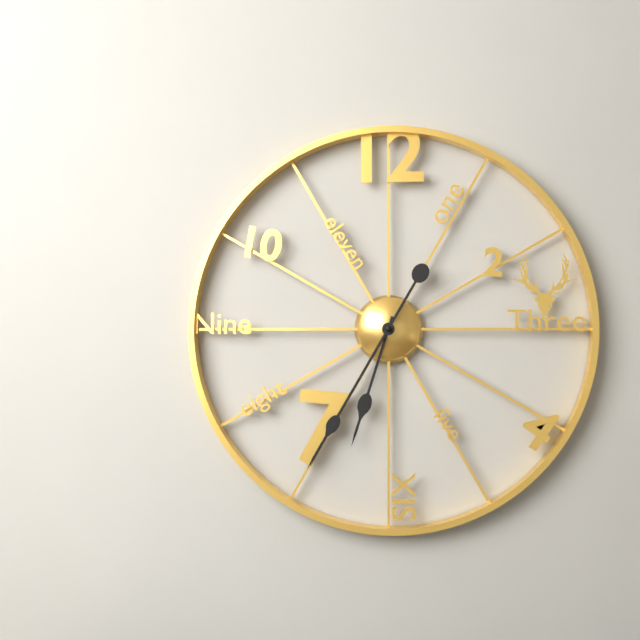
6h35
